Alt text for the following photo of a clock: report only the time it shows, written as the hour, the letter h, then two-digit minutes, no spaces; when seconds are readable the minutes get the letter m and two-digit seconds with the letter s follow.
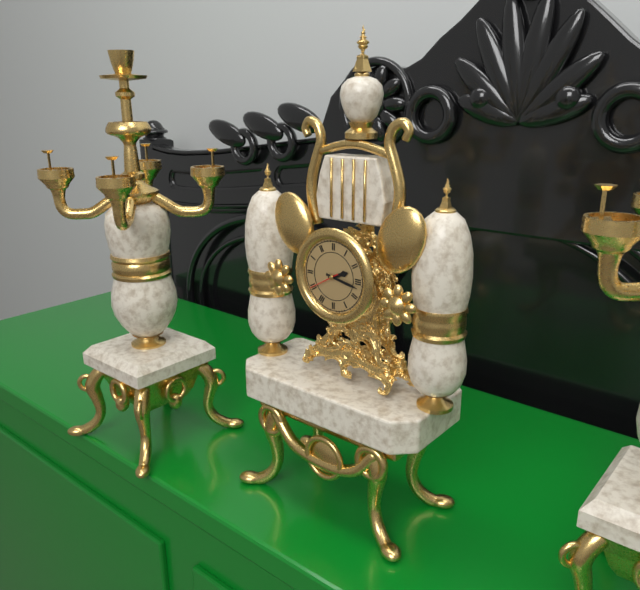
2h17
